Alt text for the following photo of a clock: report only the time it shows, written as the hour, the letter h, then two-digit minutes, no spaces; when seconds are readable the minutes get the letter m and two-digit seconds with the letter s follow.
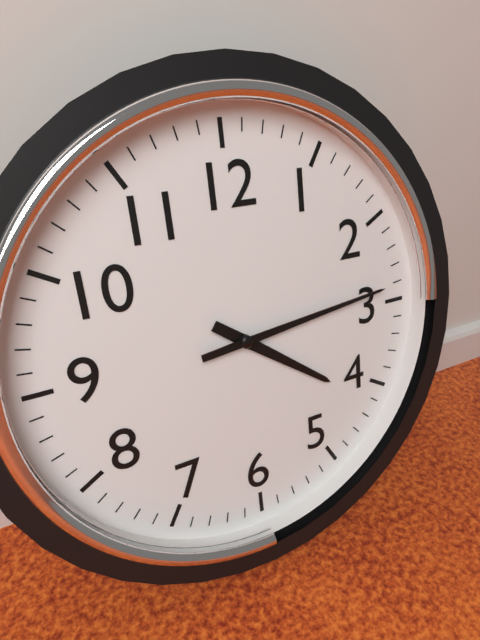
4h14
